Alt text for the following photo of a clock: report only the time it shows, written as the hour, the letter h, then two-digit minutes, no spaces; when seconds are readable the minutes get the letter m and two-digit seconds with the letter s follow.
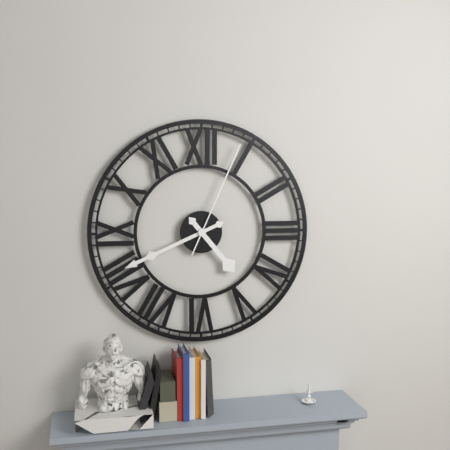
4h41m04s
